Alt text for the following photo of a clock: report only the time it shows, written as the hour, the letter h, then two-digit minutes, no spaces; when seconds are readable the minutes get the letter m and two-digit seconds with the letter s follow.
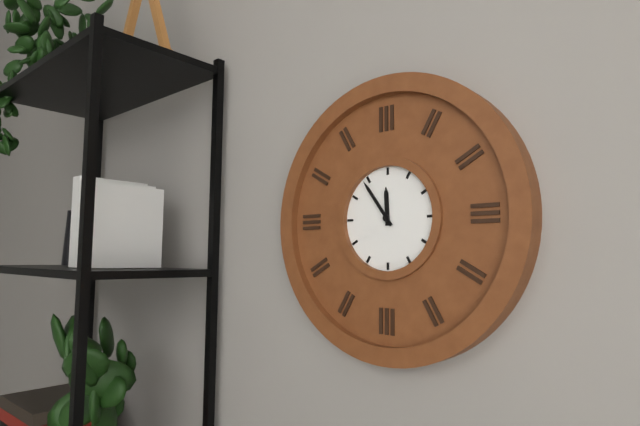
11h54
